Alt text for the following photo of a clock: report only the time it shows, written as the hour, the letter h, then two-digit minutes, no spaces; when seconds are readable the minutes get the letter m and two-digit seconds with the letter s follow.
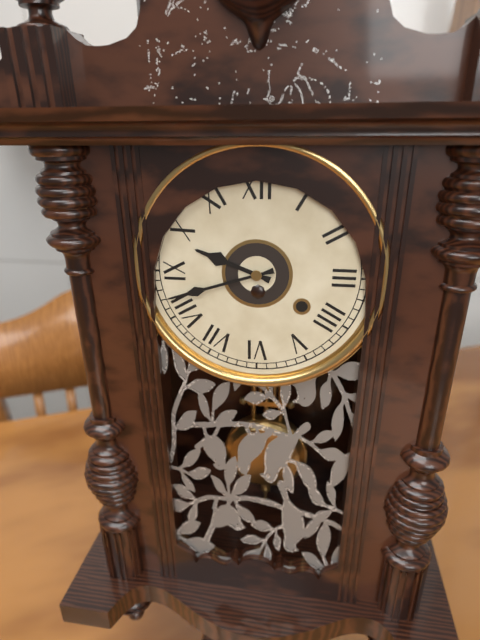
9h42
